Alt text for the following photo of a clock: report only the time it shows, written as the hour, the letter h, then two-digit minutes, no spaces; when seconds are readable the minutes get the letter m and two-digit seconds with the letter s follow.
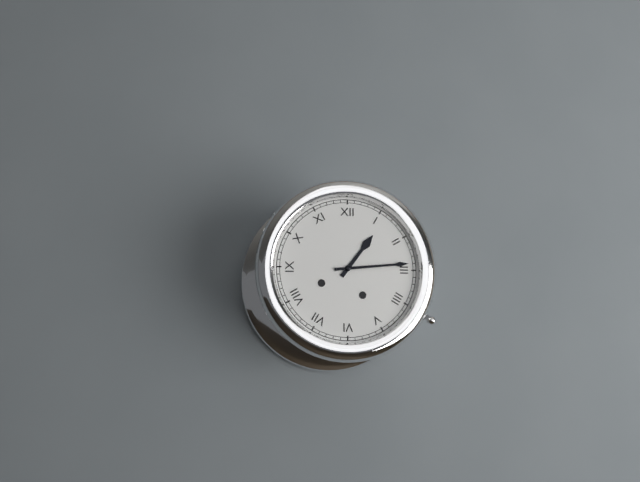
1h14
